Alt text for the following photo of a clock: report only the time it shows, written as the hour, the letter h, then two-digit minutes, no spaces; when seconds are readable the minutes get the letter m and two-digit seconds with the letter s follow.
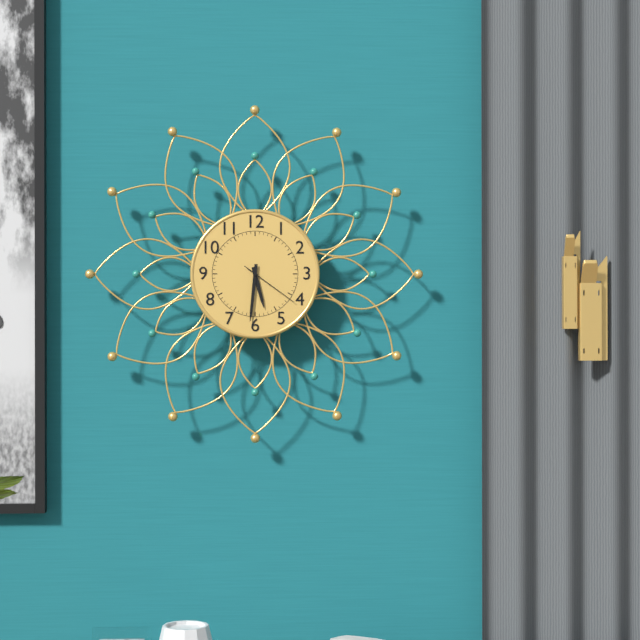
5h31m21s
